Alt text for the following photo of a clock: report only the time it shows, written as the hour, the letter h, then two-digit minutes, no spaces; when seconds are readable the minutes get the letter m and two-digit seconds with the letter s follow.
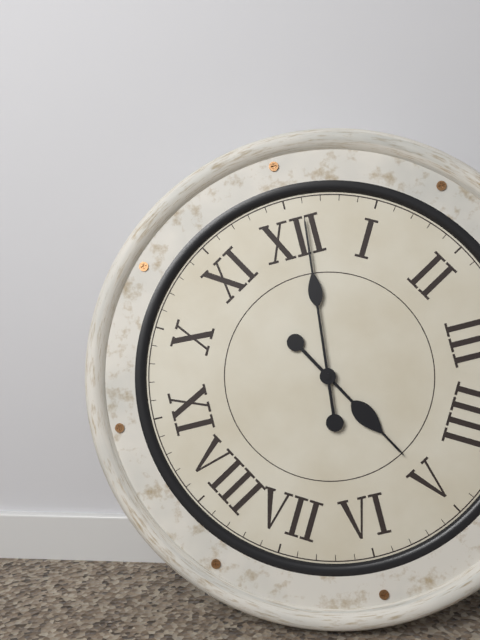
5h01
